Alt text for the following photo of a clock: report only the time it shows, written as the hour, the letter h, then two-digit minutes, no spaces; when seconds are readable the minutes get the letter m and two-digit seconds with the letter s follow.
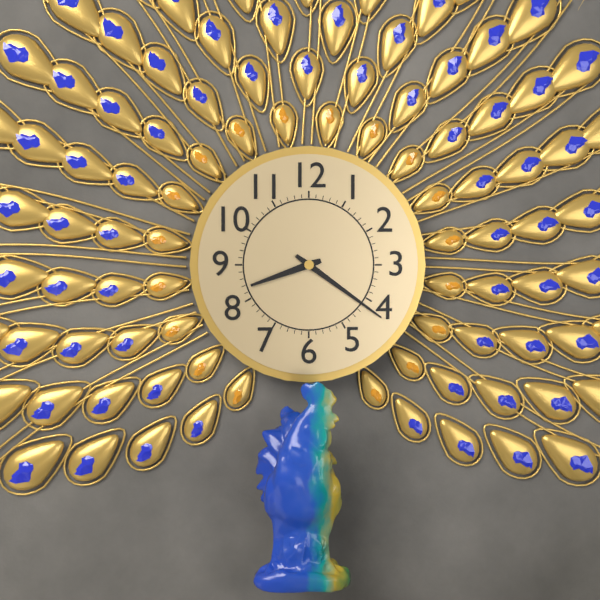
8h21
